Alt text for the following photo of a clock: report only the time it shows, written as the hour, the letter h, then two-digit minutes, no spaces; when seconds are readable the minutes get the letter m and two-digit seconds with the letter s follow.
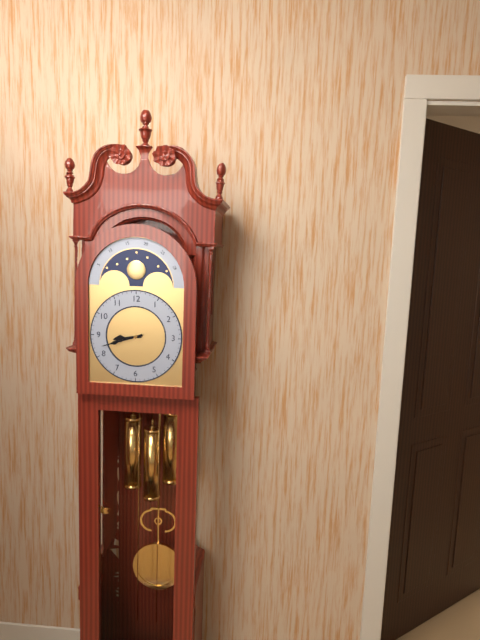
8h42
